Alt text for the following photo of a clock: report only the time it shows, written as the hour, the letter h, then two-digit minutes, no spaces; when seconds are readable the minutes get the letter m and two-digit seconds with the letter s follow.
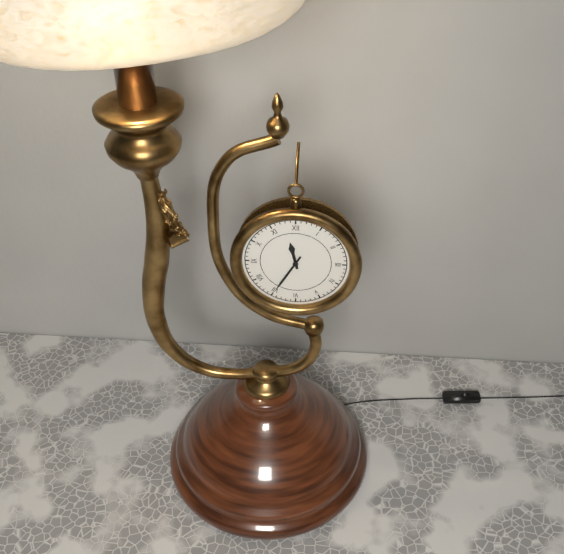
11h35
